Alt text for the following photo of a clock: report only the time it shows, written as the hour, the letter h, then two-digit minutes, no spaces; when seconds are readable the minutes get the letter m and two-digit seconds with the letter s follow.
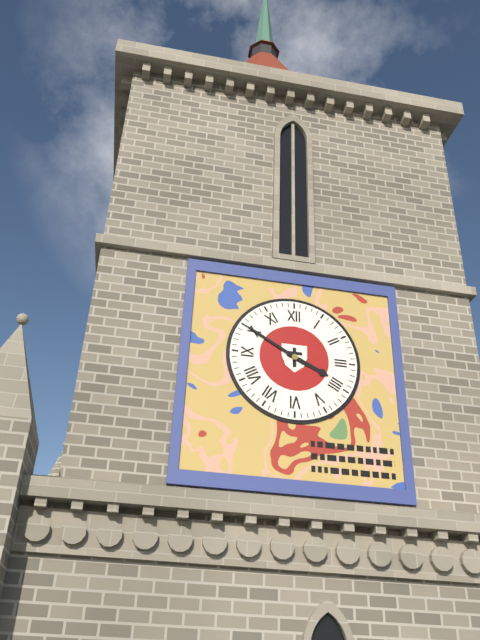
3h50
